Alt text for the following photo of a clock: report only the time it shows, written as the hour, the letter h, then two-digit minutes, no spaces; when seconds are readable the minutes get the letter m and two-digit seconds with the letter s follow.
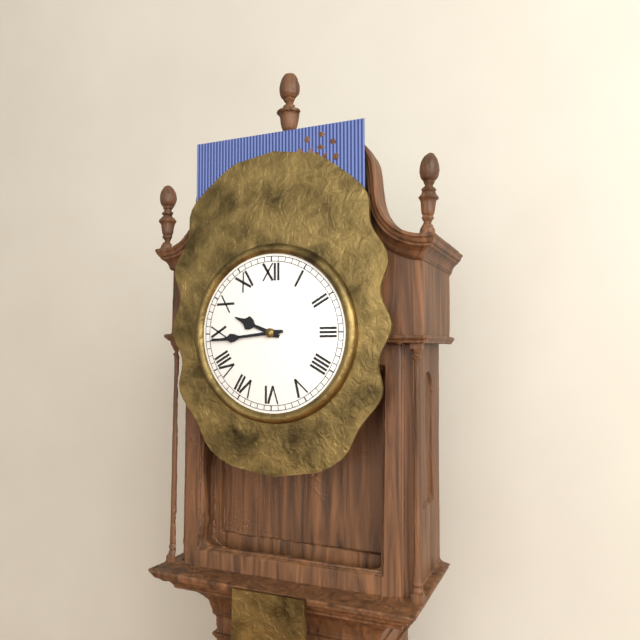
9h44
